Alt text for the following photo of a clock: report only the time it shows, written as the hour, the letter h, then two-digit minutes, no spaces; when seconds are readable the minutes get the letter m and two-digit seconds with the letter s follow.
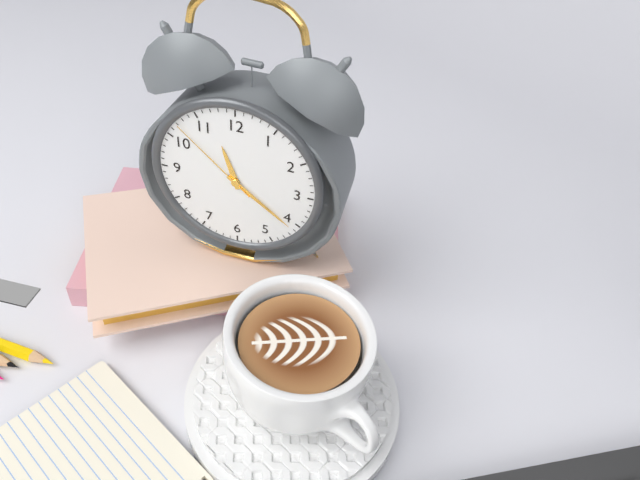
11h21m52s
